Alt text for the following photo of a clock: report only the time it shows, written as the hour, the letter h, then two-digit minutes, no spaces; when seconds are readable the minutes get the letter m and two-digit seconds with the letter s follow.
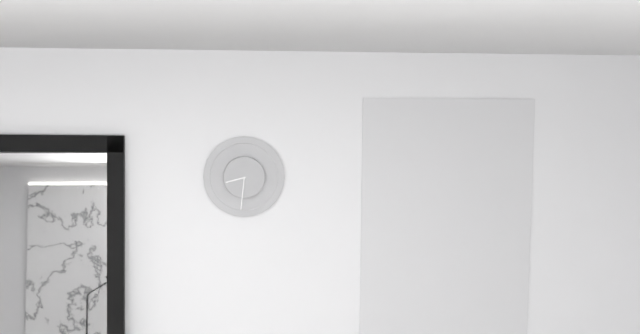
8h31
